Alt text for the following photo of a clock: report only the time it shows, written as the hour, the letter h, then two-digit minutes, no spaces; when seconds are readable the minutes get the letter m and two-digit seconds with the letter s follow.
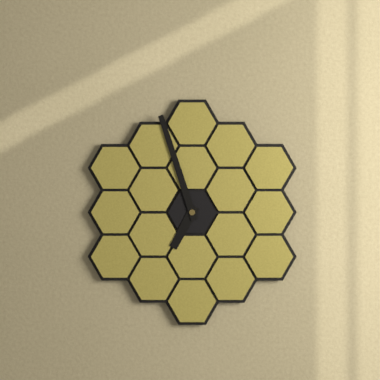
6h57
